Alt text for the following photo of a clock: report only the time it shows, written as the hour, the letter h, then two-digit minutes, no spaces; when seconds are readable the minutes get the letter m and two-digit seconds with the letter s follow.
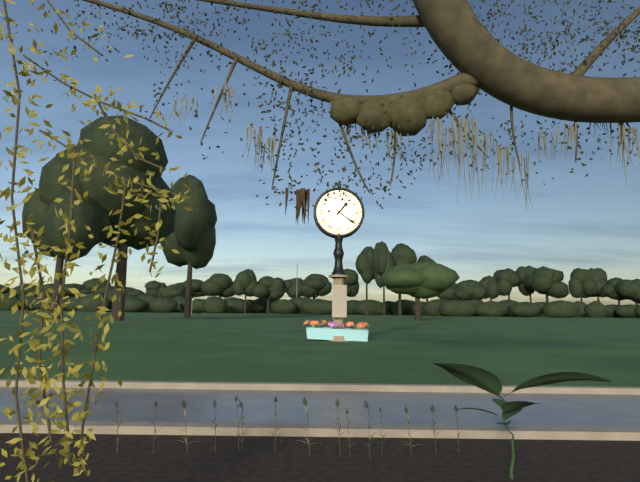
1h21
